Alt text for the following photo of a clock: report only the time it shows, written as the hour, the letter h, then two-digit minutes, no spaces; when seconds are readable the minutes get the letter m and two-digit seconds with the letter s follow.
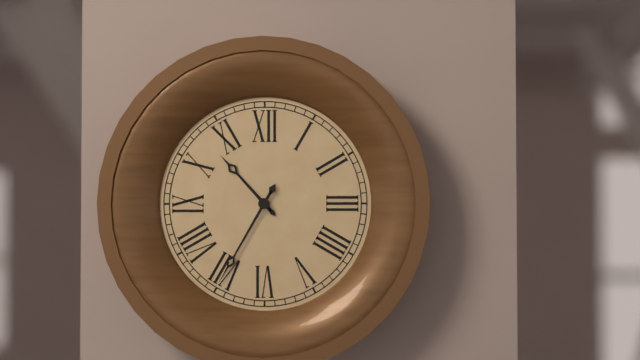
10h35
